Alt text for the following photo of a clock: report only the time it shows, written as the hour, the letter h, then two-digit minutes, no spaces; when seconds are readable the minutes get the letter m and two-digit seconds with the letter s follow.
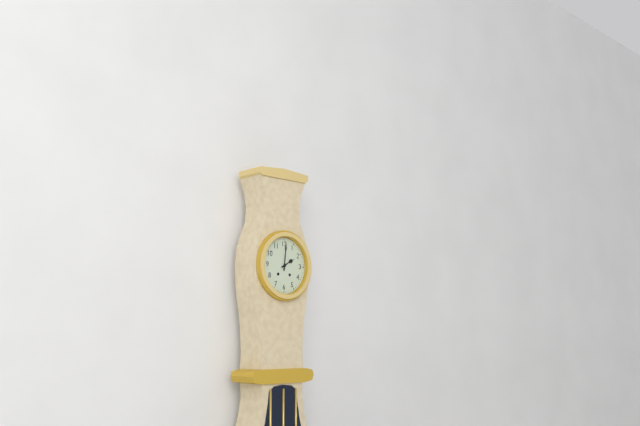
2h01
